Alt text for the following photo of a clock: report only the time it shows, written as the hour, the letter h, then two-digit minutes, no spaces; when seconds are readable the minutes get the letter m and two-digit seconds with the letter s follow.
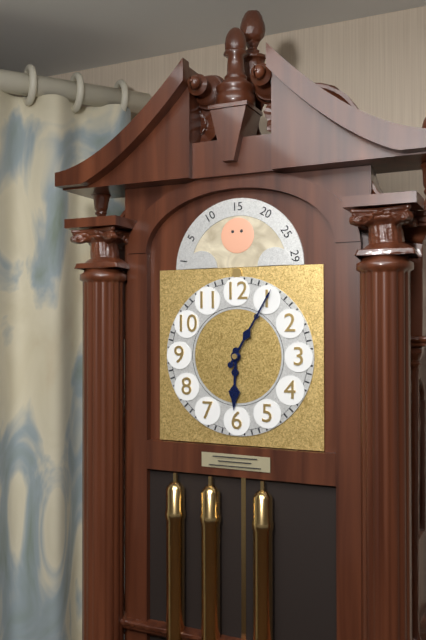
6h05
